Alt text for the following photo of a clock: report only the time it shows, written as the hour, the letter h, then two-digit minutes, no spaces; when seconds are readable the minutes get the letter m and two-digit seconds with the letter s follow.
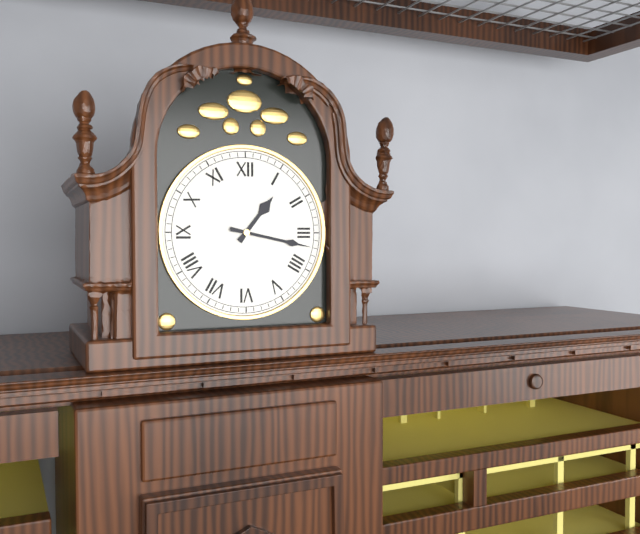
1h17
